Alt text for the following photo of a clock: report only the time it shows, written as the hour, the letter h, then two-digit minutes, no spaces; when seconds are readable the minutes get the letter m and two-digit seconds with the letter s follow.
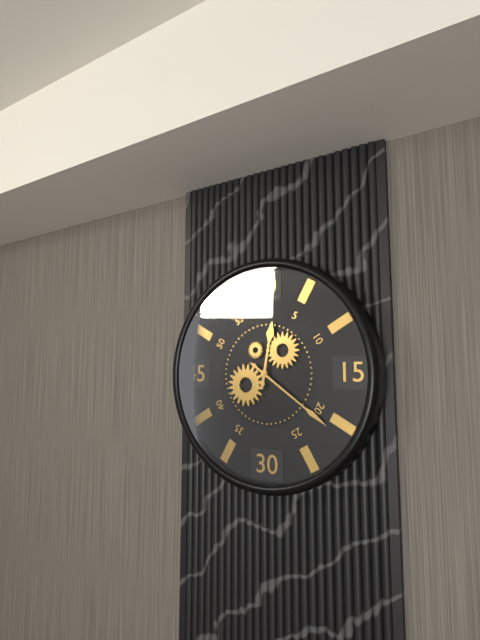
12h21
